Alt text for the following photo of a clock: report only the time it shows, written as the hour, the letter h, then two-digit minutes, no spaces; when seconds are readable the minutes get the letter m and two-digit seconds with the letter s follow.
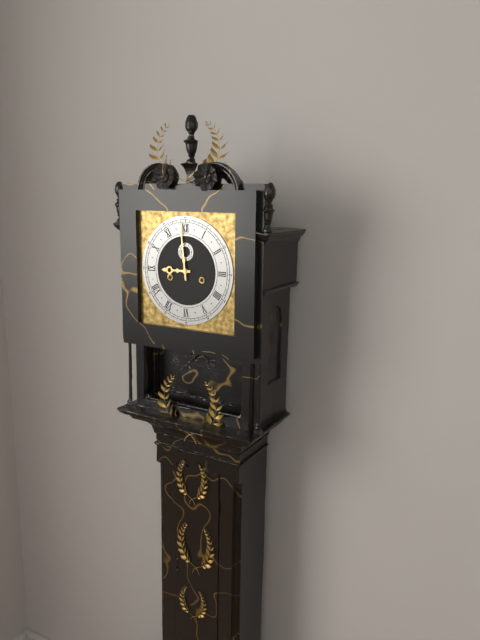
8h59
